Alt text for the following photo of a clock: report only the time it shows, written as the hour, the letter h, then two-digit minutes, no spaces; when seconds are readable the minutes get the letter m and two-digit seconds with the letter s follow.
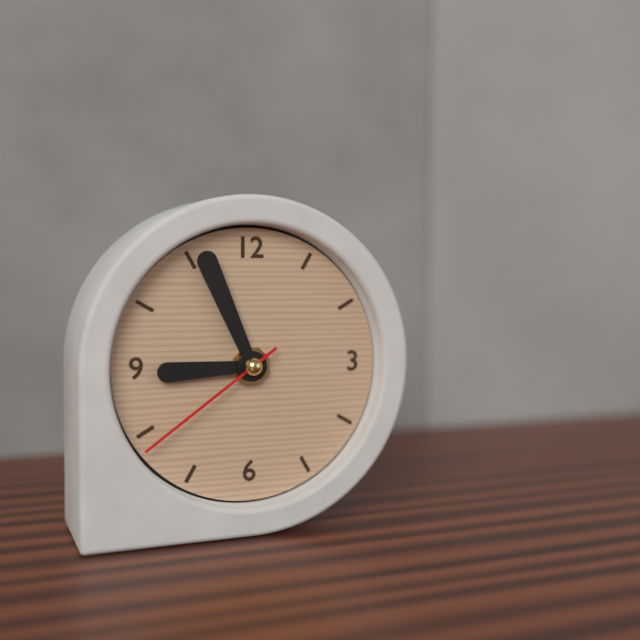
8h56m39s
